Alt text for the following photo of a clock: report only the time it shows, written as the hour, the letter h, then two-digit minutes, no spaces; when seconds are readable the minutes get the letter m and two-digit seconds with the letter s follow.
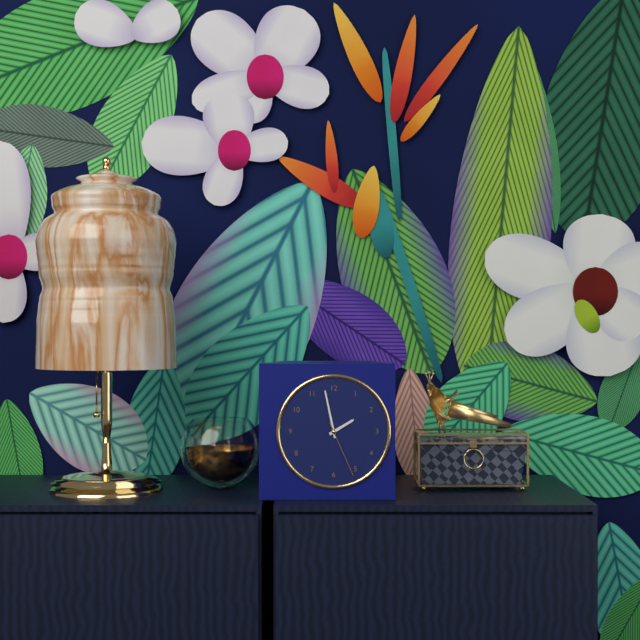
1h58m26s
